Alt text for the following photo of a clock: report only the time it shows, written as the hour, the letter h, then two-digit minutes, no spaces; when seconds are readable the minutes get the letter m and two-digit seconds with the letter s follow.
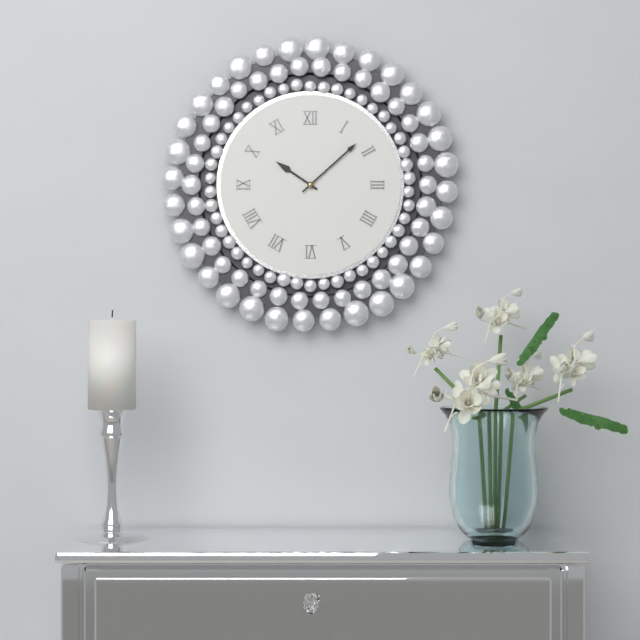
10h08
